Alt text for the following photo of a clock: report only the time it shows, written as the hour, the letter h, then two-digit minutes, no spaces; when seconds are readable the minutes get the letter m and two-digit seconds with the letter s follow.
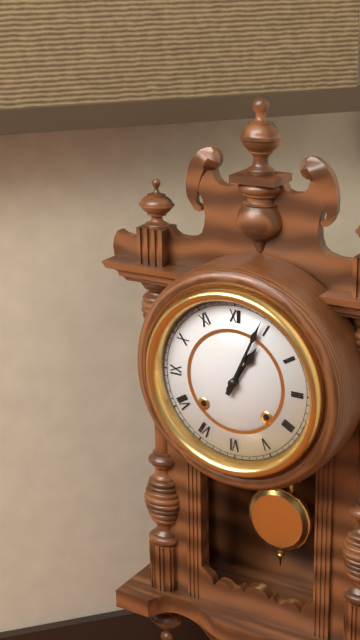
1h04
